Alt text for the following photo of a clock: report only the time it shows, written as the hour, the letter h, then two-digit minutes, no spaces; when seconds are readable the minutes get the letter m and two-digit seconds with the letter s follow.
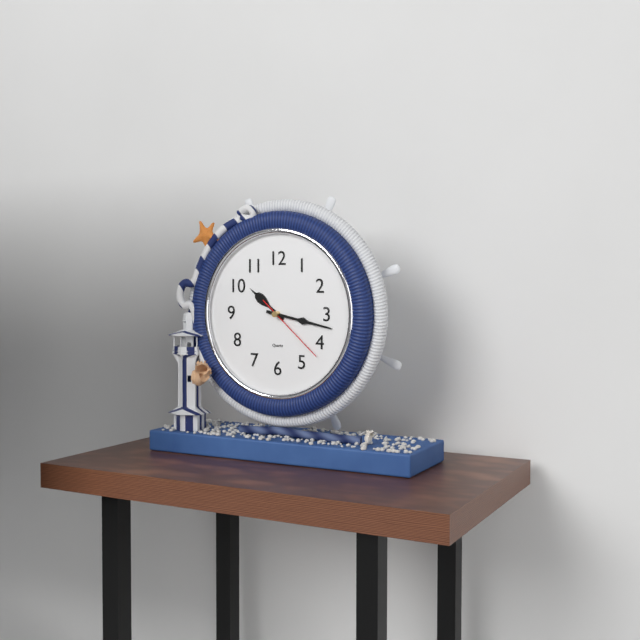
10h17m22s
